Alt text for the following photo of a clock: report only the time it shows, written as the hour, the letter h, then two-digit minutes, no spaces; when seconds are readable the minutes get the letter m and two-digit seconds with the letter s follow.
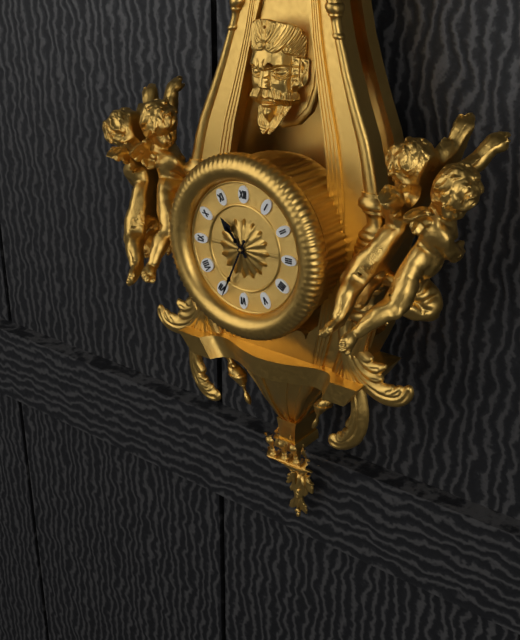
10h34
